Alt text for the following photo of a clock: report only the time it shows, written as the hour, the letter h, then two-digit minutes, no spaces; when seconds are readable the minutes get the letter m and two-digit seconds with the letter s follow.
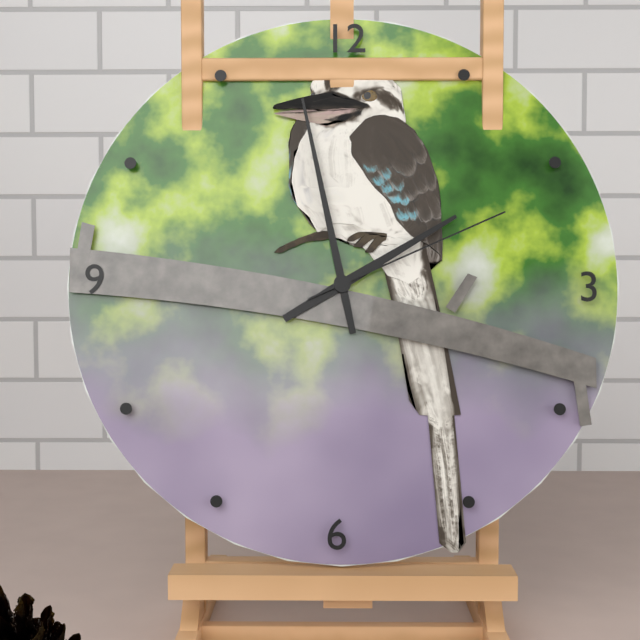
1h58m11s
